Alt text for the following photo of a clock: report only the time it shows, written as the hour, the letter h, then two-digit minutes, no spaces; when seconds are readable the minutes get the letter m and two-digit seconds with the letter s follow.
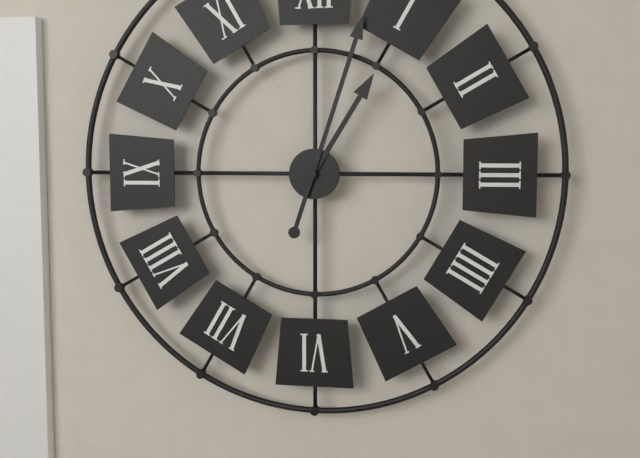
1h03
